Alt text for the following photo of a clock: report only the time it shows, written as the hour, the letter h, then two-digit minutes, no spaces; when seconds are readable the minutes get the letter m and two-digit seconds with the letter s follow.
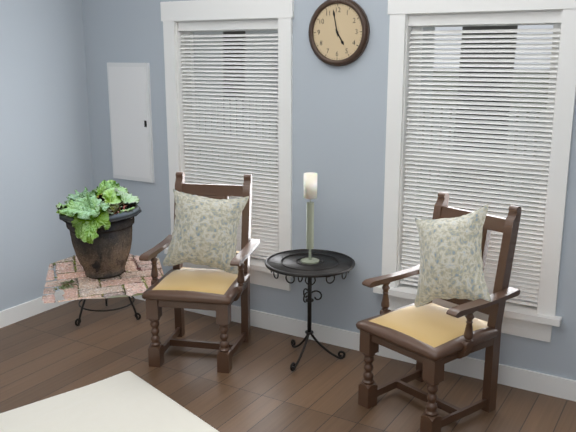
4h58
